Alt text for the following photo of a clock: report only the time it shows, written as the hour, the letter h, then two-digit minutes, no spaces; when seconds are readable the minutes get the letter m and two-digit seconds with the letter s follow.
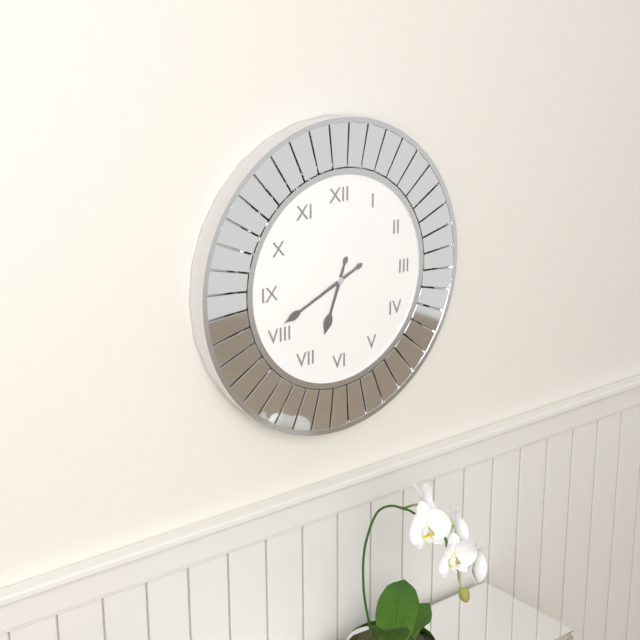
6h41
